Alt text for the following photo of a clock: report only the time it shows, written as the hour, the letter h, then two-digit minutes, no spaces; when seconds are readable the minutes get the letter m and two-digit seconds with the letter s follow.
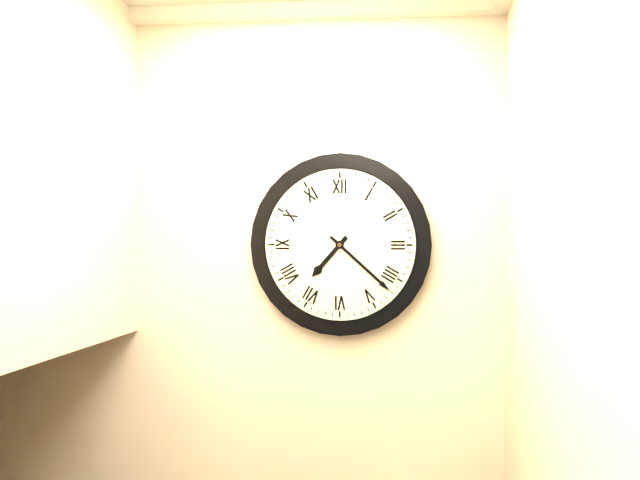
7h22
